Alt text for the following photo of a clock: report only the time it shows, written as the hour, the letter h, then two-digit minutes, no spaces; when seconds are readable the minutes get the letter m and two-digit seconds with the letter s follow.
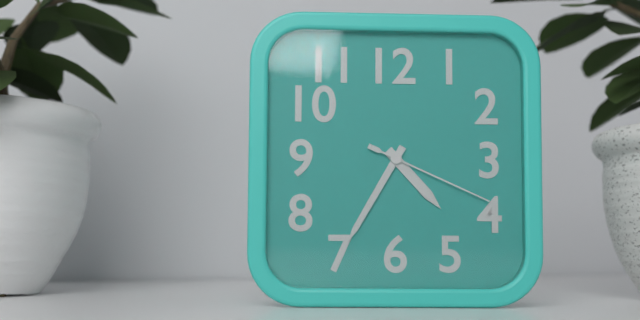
4h35m19s
